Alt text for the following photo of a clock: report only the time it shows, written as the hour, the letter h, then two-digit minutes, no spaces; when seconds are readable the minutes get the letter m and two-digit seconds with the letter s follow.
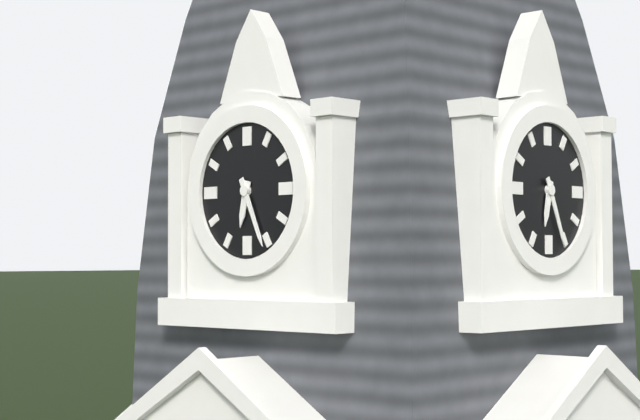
6h26
